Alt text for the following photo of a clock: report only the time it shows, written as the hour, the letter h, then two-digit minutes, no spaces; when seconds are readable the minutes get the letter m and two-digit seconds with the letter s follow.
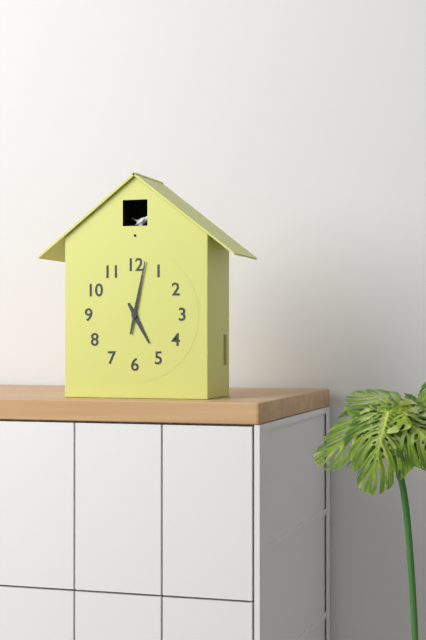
5h02
